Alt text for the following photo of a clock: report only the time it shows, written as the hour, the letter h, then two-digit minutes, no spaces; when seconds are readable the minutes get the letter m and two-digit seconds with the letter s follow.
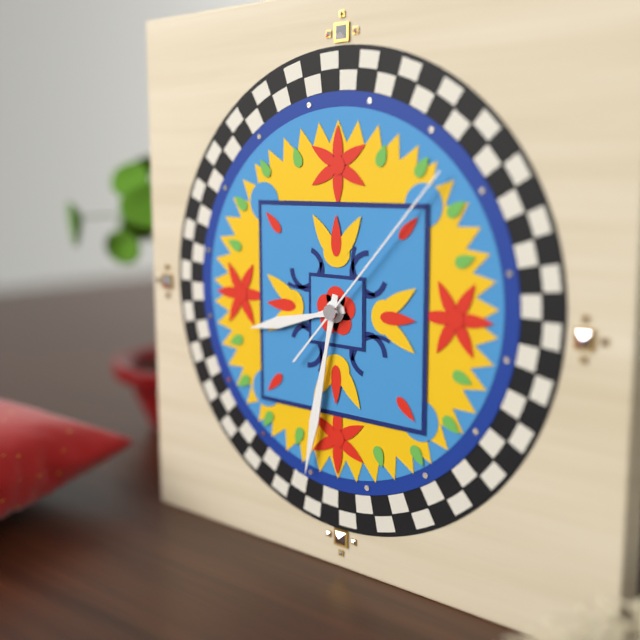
8h32m07s
